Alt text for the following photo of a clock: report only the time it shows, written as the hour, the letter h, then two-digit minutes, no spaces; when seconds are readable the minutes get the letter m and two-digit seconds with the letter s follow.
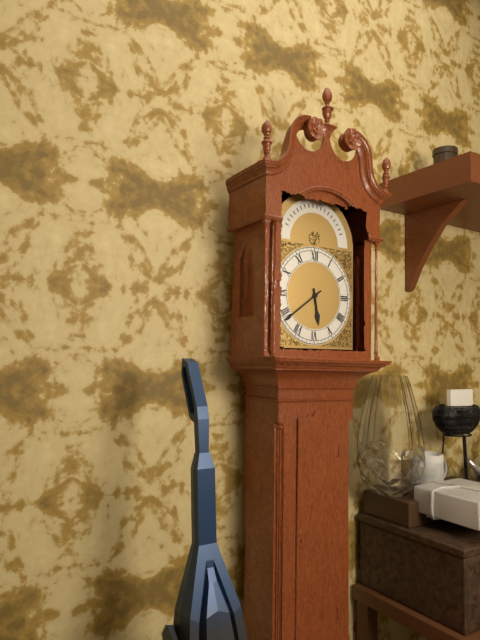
5h39
